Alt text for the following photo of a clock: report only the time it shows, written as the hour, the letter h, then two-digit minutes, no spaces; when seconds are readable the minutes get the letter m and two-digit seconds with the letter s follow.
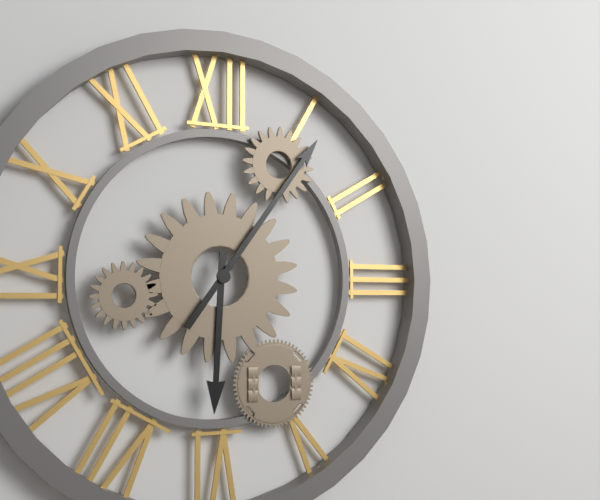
6h06
